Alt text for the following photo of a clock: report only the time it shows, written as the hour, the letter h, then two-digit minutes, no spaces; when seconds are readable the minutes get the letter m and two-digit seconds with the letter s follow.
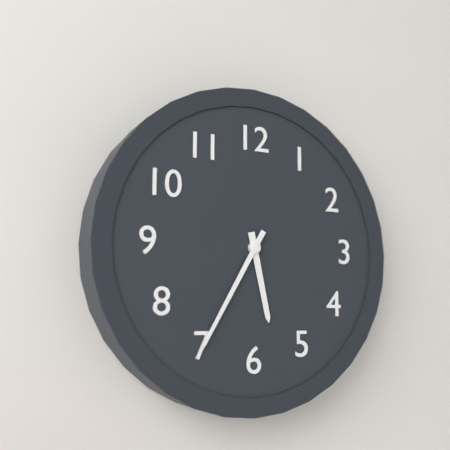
5h35
